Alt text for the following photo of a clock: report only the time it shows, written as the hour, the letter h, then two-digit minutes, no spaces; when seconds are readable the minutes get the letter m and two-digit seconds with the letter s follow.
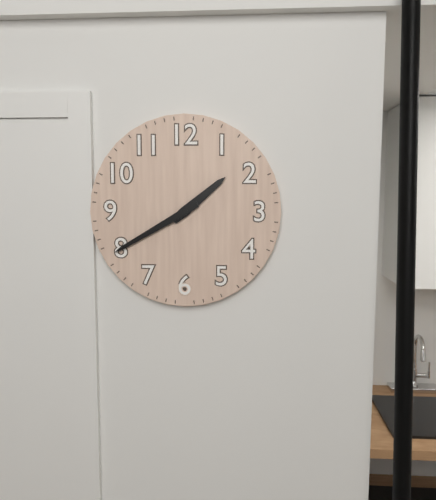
1h40
